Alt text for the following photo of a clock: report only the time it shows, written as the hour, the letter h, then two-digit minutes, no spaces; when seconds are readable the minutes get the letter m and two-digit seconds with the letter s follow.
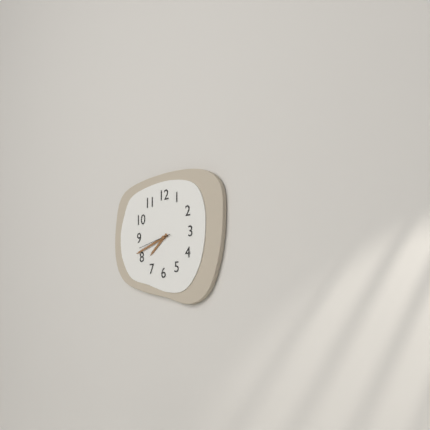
7h42
